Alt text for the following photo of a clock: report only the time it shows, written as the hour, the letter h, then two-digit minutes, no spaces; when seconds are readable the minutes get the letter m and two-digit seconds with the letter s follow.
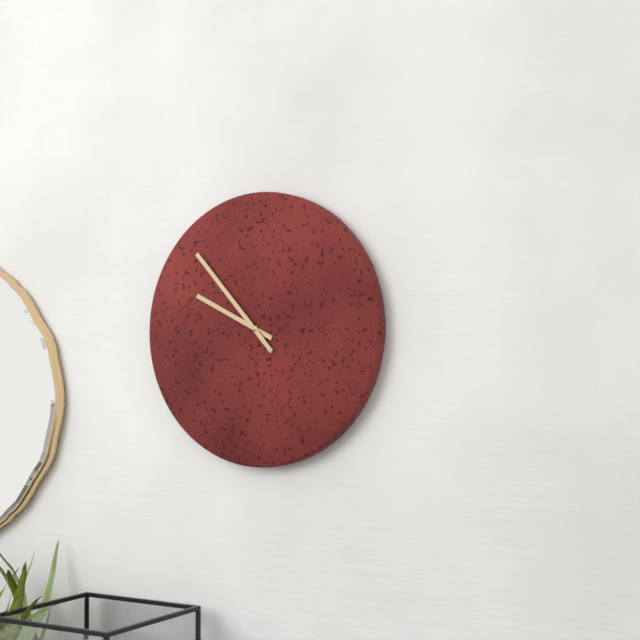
9h53
